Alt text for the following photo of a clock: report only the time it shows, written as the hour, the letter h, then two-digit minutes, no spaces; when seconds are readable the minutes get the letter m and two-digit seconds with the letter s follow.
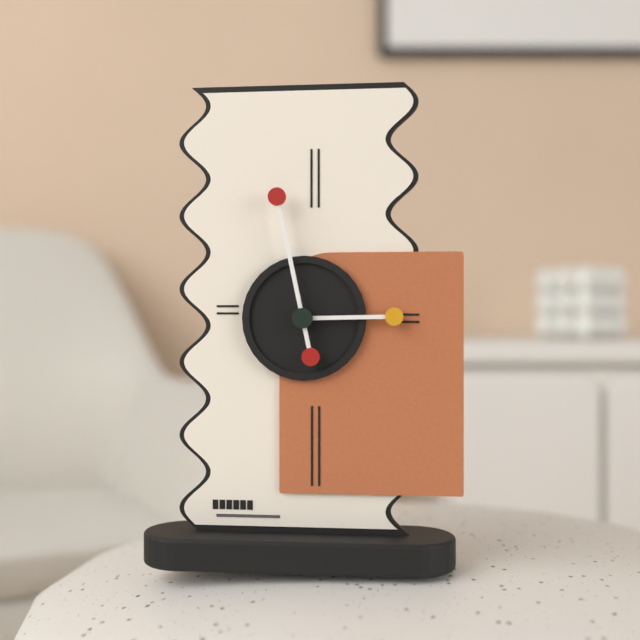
2h58
